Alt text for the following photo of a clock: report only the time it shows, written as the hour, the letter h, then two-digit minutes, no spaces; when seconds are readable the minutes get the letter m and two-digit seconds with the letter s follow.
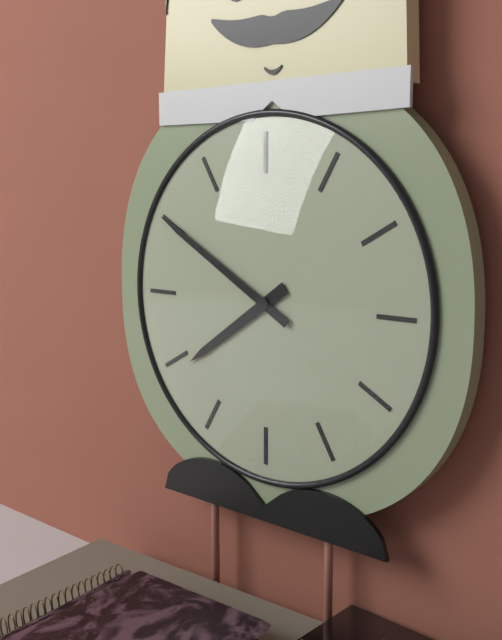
7h50
